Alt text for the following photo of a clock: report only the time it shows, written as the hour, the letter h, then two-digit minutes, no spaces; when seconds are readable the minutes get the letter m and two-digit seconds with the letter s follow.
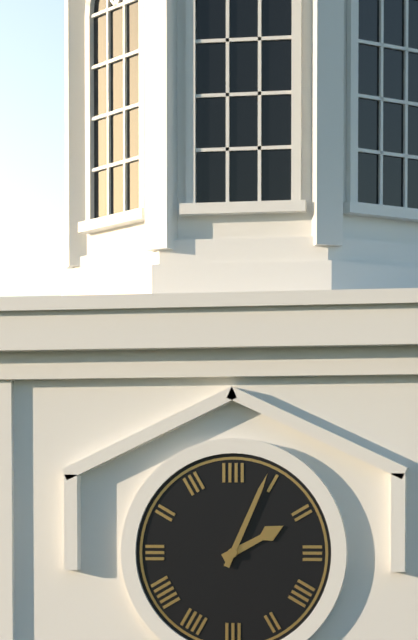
2h04
